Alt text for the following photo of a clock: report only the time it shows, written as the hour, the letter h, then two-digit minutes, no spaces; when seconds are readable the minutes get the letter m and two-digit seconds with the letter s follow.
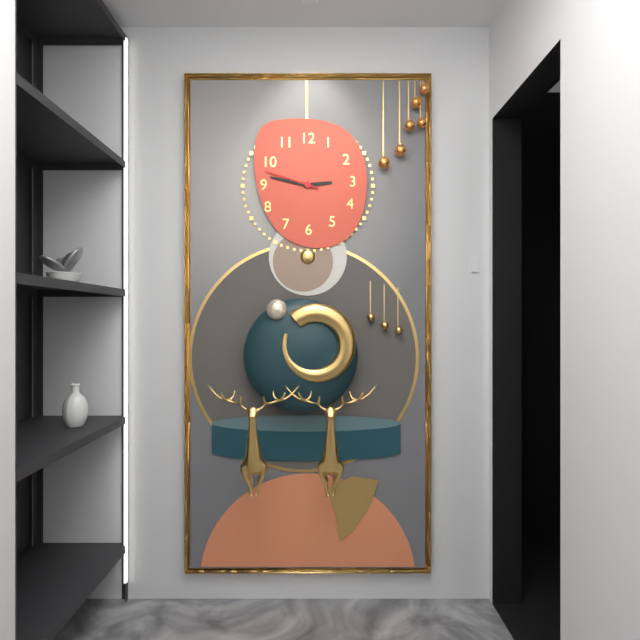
2h47m48s
